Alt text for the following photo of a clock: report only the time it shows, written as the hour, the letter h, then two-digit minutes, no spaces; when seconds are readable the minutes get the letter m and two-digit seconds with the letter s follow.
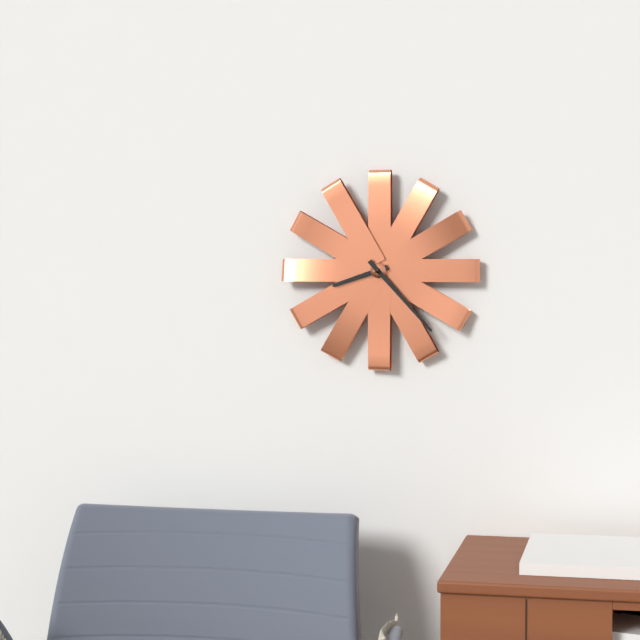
8h23
